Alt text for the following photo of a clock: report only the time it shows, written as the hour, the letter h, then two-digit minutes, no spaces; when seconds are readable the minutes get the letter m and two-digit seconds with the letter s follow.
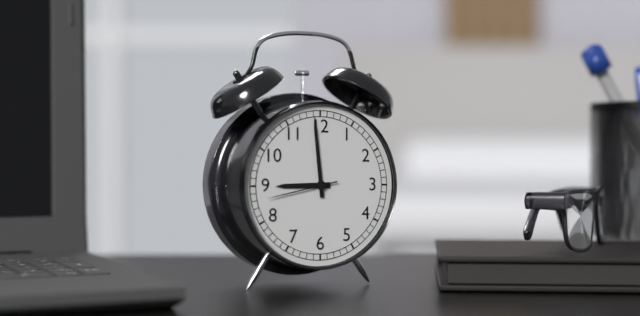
8h59m43s
